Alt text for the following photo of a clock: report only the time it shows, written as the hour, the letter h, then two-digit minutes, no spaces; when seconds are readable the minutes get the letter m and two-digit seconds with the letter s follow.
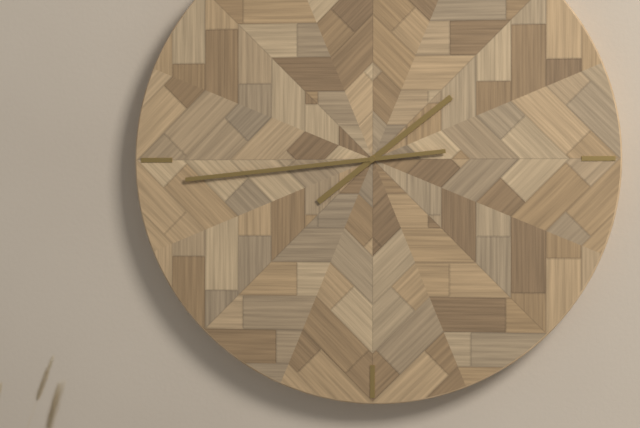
1h44
